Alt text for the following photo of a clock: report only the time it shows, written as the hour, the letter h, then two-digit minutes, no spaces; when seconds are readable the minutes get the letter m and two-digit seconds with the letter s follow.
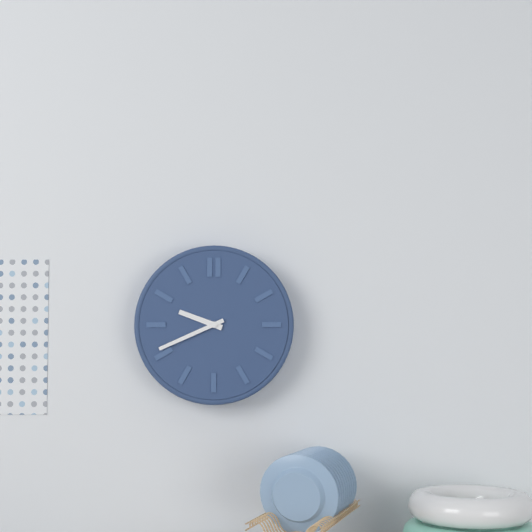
9h41
